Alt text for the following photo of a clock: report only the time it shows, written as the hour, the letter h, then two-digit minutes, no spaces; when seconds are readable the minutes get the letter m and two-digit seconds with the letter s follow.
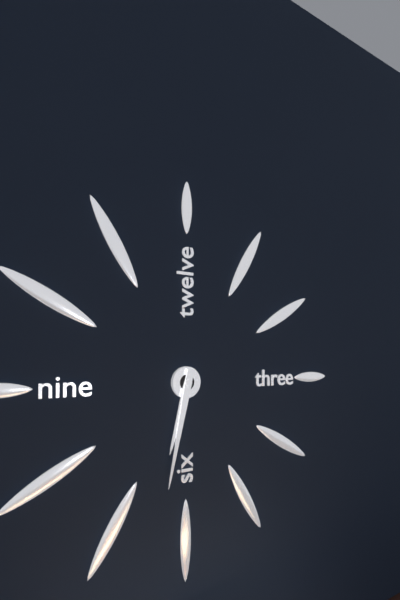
6h32
